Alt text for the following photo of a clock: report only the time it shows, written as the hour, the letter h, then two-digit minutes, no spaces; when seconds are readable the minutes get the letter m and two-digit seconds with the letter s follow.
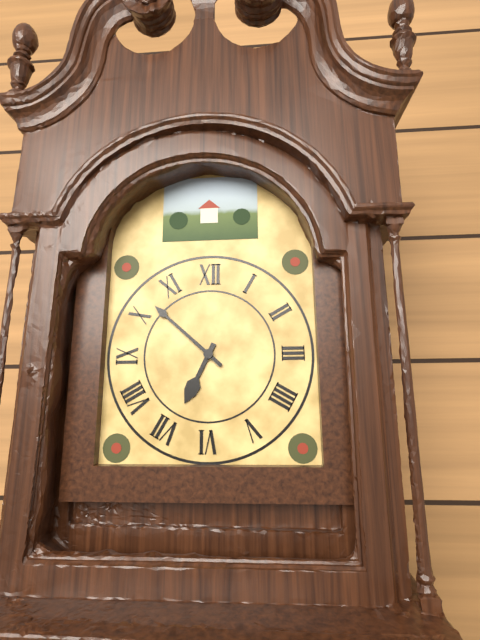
6h52
